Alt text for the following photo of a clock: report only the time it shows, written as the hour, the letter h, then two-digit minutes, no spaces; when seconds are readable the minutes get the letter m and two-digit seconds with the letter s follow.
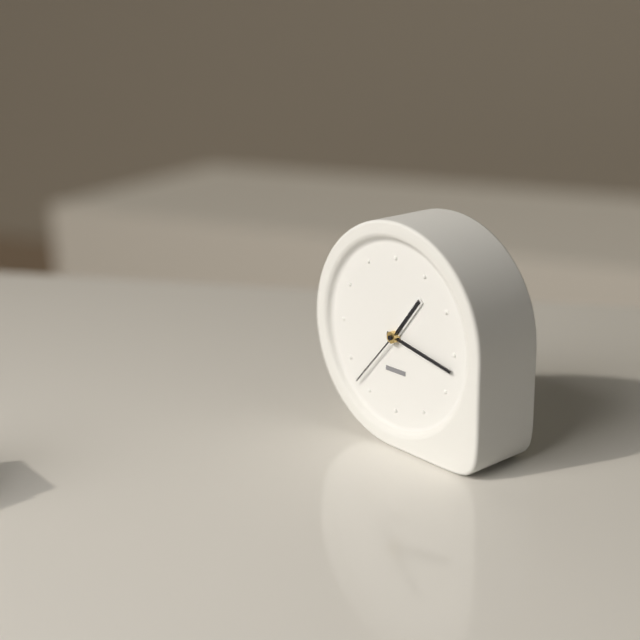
1h17m37s
